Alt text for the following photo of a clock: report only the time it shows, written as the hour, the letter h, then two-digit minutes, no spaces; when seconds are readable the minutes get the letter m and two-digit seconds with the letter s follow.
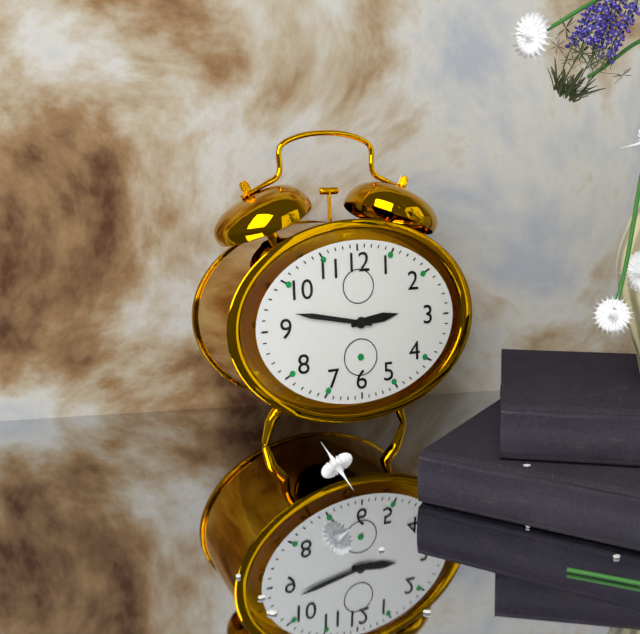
2h47
